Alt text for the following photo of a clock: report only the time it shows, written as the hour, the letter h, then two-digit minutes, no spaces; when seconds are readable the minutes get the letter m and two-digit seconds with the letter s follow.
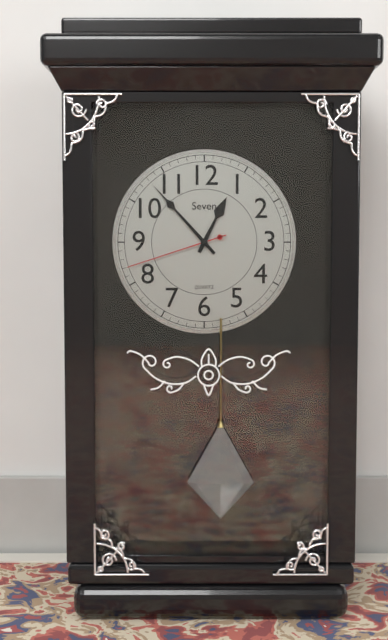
12h53m42s
